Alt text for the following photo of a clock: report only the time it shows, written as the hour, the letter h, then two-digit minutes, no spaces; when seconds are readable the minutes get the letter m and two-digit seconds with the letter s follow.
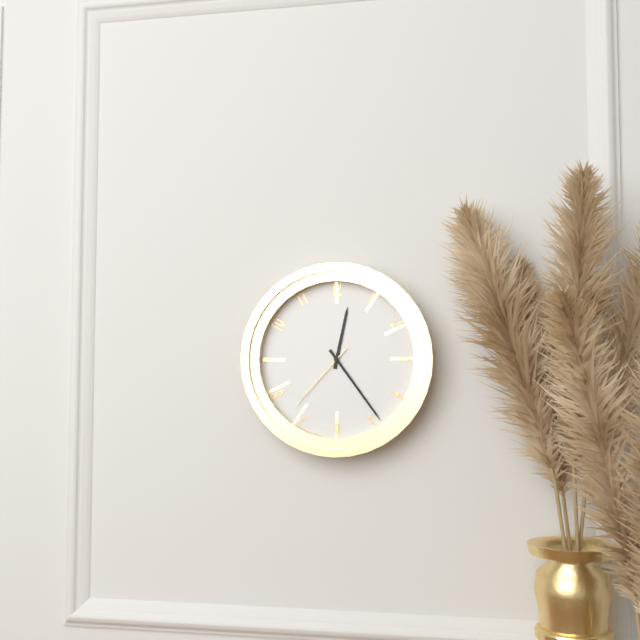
12h24m37s
